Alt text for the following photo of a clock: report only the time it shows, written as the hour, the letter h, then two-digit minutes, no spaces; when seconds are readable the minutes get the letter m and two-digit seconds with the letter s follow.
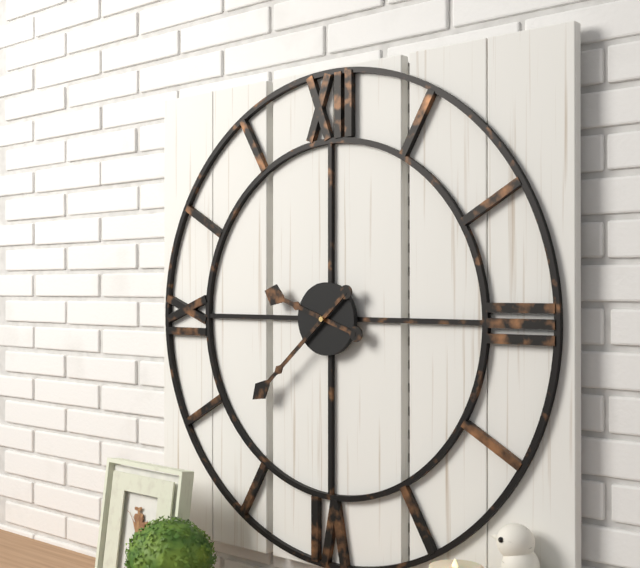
9h38
